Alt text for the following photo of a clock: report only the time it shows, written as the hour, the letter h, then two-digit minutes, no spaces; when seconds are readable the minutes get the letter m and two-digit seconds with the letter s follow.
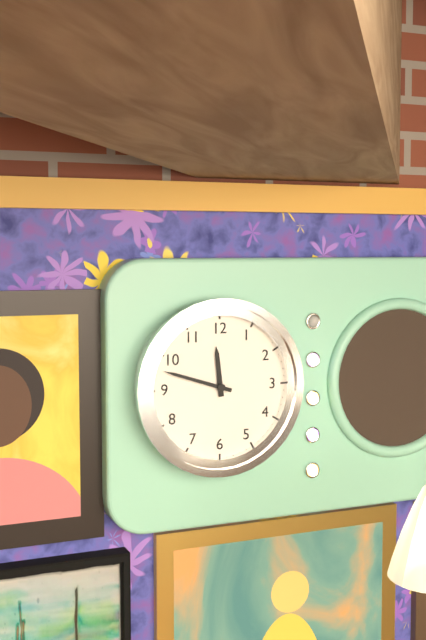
11h48
